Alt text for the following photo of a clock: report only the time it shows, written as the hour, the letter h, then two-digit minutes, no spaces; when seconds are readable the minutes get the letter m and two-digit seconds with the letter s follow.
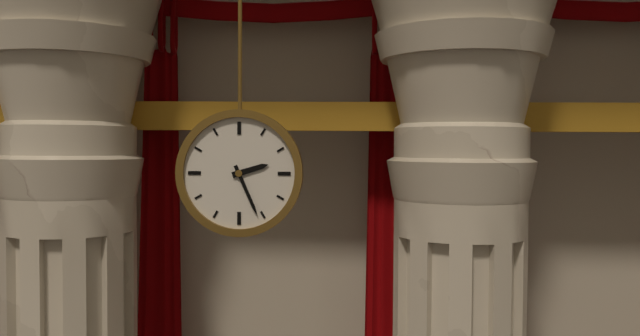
2h26
